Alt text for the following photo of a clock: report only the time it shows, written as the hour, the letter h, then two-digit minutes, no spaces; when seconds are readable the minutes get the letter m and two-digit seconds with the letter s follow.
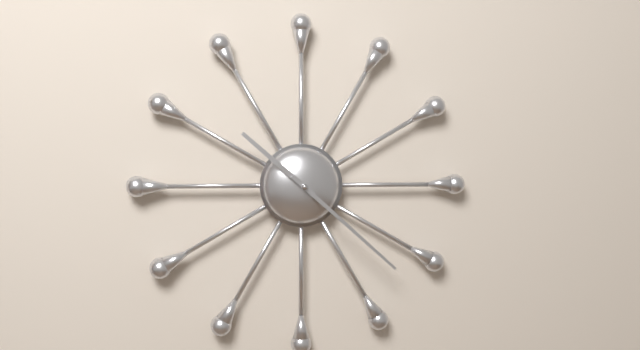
10h22
